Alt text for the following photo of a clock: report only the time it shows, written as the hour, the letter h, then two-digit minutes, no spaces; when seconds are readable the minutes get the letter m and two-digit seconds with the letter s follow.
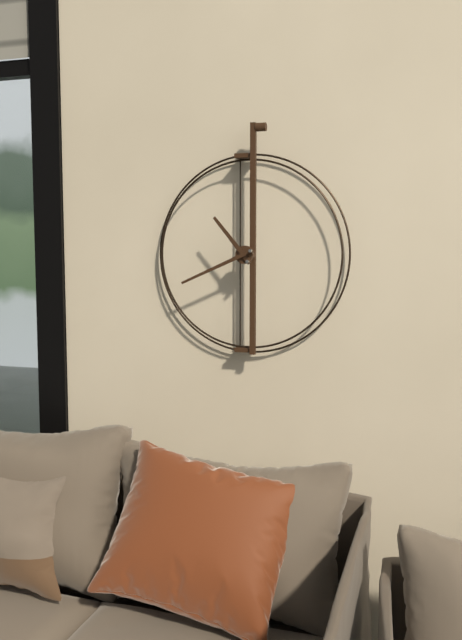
10h41
